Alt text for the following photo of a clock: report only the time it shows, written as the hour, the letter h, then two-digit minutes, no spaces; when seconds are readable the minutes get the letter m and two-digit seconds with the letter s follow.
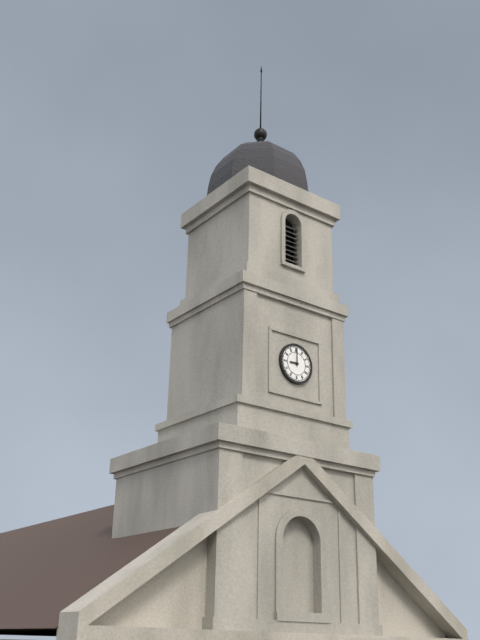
9h00
